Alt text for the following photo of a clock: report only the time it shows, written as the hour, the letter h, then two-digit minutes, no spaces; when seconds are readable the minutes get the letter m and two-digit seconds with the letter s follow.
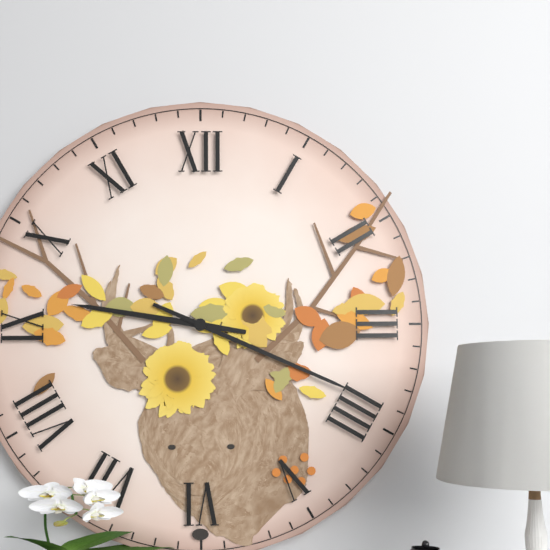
9h19
